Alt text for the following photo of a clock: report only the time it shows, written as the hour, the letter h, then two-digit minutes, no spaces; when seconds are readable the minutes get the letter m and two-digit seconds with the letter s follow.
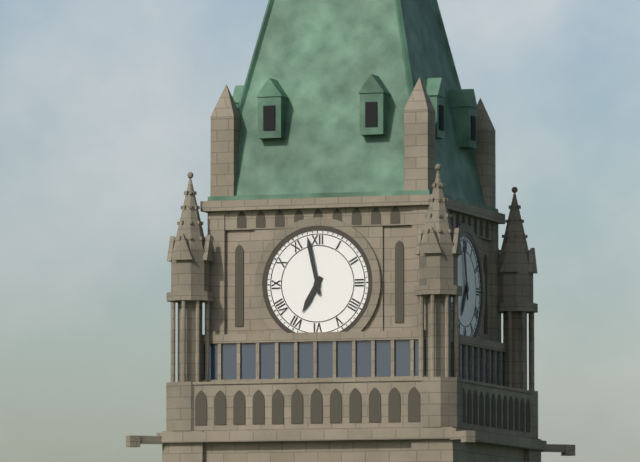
6h58
